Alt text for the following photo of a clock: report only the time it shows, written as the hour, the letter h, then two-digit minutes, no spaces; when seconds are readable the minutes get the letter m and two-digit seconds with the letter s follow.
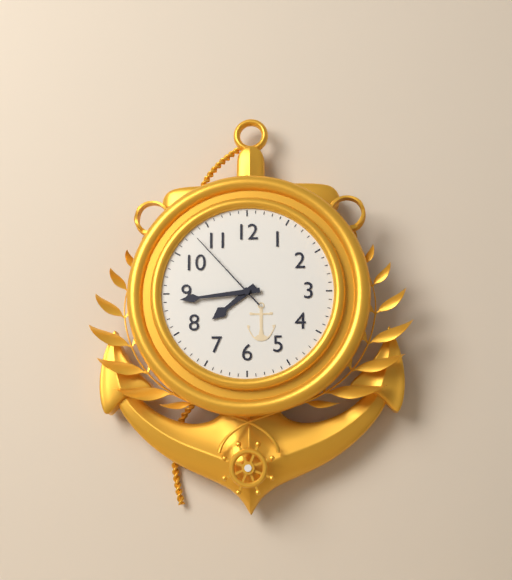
7h44m53s
